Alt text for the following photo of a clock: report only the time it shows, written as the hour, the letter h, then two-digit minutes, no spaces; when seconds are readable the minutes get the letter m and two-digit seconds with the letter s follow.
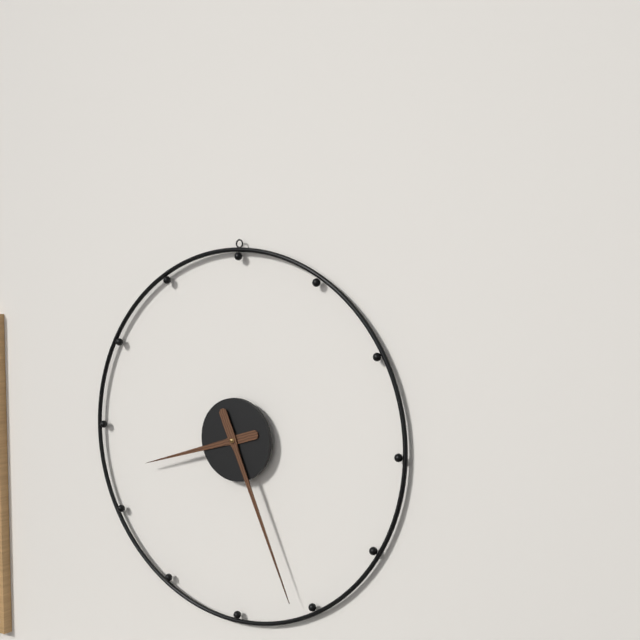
8h26
